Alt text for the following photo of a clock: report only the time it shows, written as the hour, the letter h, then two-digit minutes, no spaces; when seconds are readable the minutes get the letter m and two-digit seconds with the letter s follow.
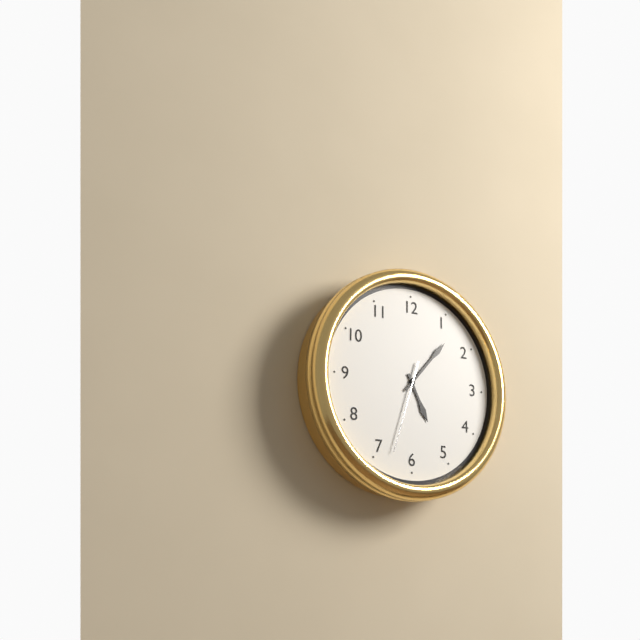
5h07m33s
